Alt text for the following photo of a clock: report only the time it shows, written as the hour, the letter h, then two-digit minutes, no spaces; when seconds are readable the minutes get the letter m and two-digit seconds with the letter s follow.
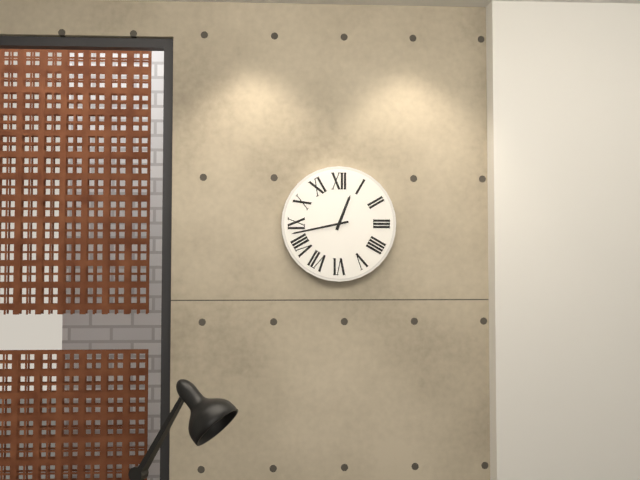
12h43
